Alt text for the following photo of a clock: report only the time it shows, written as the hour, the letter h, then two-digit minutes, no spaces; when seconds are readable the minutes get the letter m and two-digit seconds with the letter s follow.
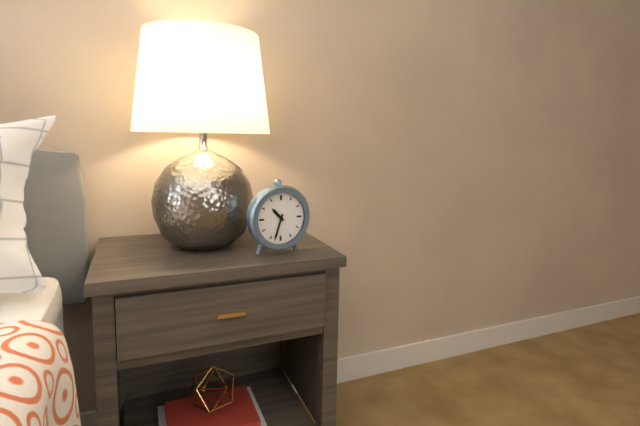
10h33
